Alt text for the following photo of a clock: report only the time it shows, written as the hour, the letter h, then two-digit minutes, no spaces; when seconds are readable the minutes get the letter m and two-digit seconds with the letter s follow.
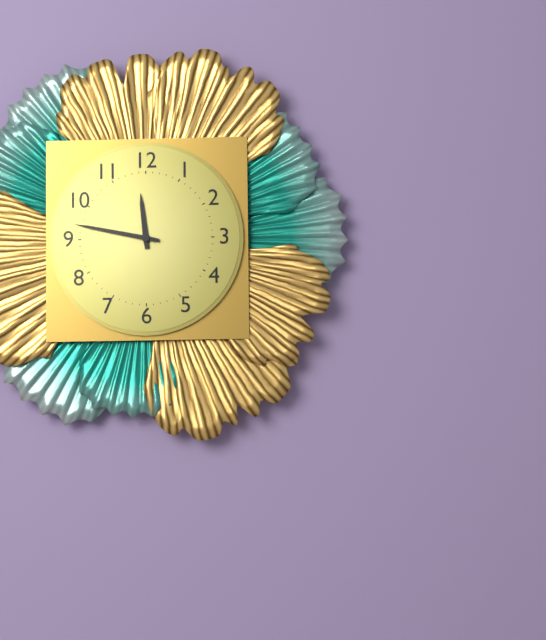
11h47
